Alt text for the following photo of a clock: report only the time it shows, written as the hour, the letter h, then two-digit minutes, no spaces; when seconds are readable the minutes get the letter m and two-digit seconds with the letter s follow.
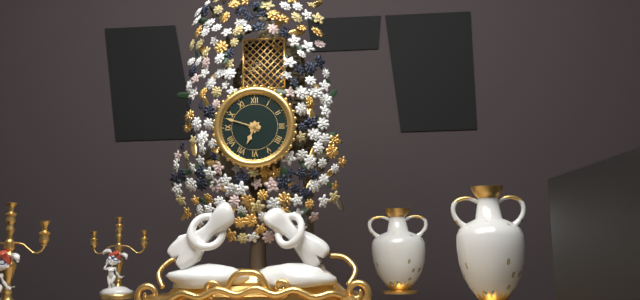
6h48
